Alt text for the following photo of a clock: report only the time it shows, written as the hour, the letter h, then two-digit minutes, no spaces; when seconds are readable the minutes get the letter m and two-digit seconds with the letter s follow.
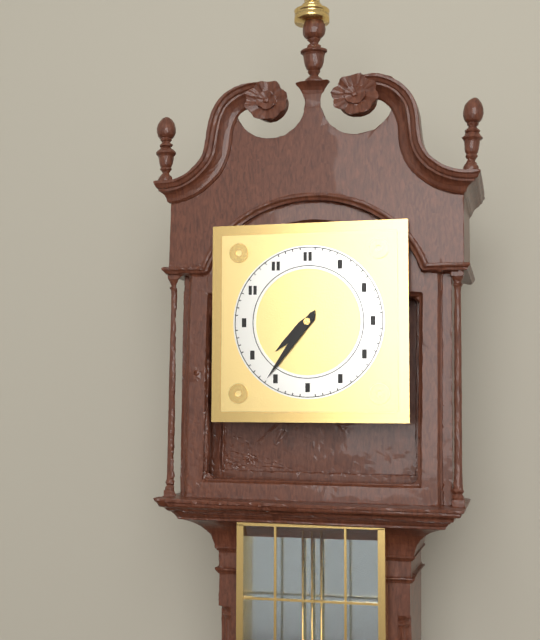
7h36
